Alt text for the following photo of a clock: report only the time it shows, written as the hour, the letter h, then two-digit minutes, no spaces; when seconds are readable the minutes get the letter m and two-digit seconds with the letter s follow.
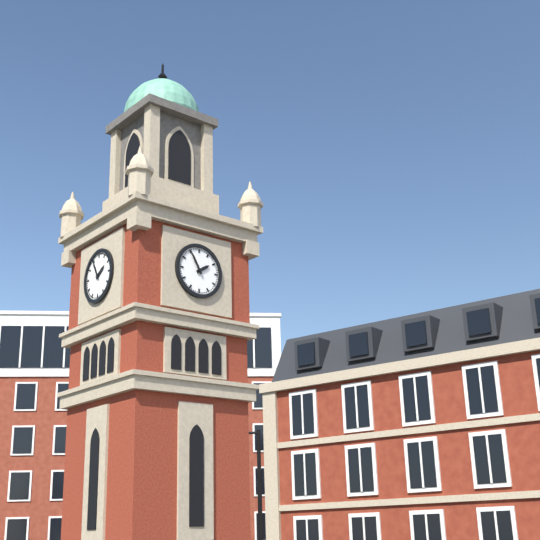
1h55
